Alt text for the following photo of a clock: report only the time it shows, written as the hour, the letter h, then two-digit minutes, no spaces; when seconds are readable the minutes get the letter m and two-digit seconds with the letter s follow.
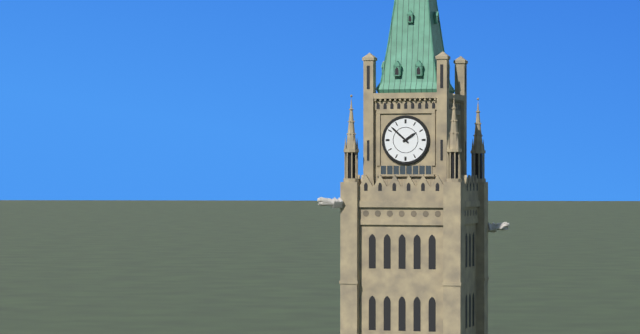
1h52
